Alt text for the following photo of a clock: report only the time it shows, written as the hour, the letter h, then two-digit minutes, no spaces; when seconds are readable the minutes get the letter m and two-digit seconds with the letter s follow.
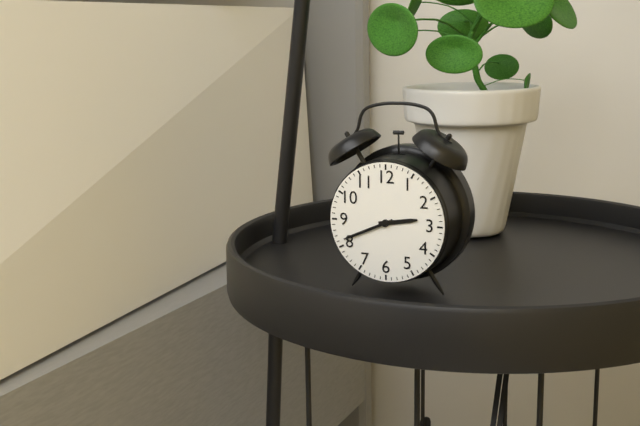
2h41
